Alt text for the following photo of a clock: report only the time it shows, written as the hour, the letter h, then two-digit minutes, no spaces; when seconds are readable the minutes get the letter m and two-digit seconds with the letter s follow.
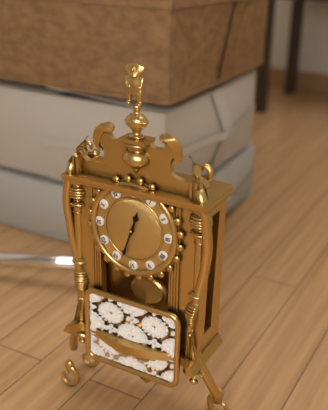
12h33
